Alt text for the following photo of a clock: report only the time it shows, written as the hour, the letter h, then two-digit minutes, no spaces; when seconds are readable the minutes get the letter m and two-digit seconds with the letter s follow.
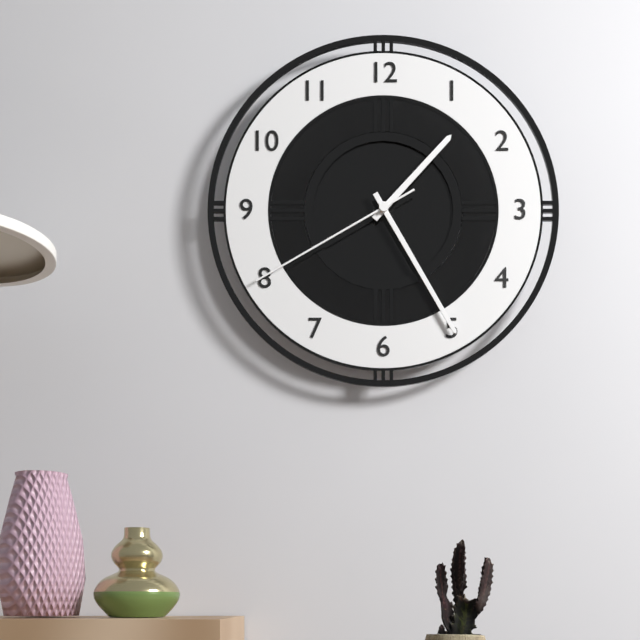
1h25m40s
